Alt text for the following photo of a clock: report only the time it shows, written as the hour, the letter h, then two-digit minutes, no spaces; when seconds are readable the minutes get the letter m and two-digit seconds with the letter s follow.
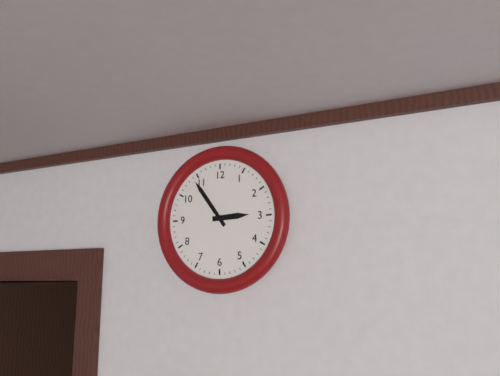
2h54
